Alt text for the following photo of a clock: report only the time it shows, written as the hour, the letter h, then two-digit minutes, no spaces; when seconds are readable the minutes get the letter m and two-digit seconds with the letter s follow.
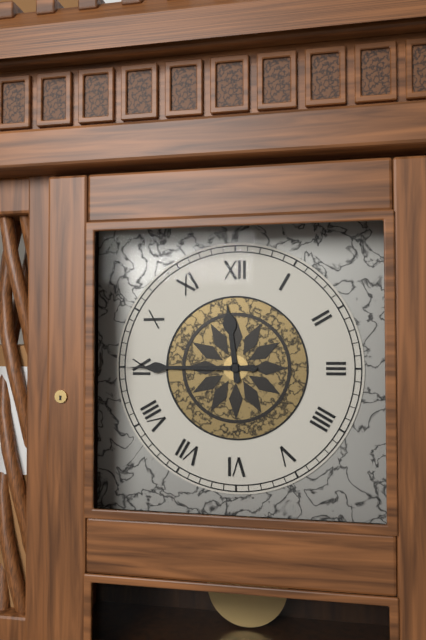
11h45
